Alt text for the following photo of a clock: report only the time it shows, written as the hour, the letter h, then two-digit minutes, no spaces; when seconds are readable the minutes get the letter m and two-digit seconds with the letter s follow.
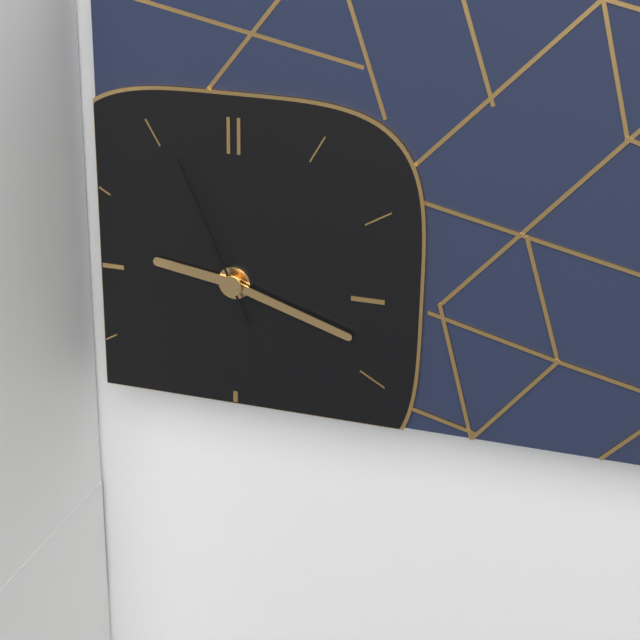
9h18m56s
